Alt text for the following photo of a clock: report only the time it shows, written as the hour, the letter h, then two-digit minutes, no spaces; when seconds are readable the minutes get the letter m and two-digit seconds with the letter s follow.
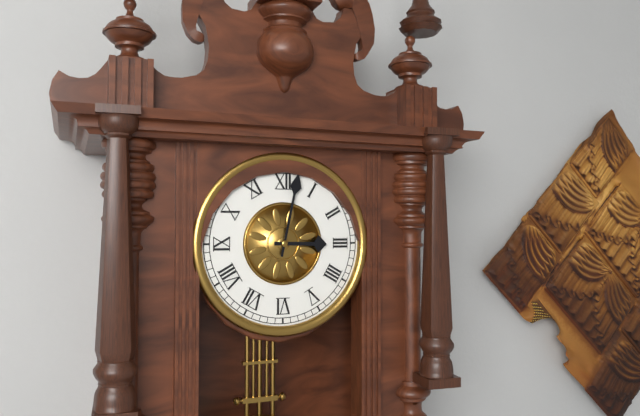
3h02
